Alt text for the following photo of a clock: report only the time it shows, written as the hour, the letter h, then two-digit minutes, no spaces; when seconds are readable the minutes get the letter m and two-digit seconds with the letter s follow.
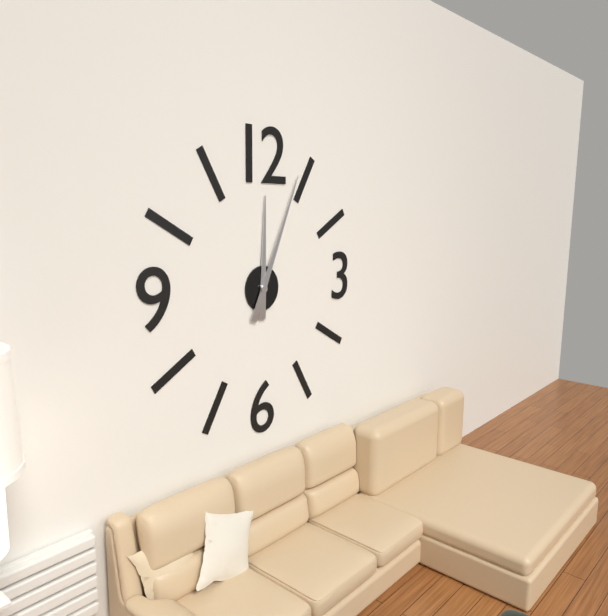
12h04
